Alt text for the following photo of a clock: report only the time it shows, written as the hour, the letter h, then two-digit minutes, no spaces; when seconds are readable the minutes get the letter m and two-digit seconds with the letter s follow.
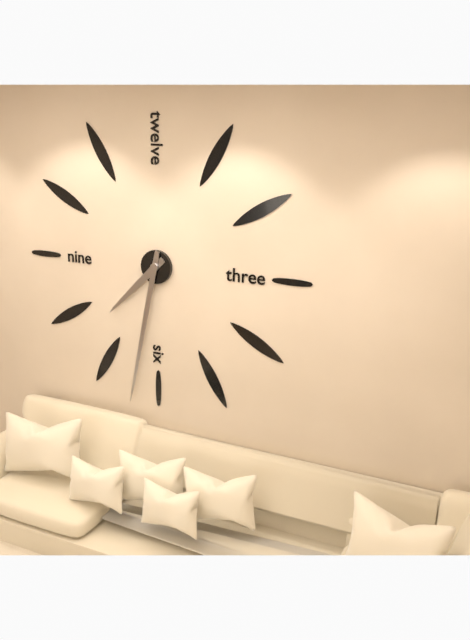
7h32
